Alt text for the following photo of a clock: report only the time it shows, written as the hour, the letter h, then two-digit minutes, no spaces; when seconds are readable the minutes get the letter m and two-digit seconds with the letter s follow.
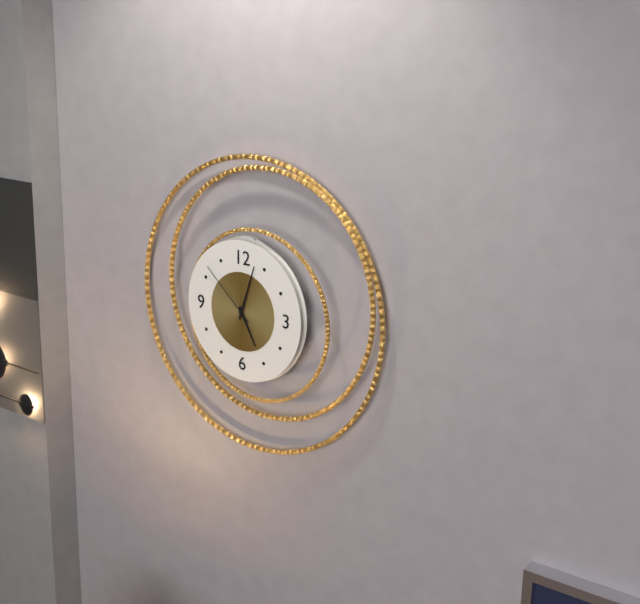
5h03m52s
